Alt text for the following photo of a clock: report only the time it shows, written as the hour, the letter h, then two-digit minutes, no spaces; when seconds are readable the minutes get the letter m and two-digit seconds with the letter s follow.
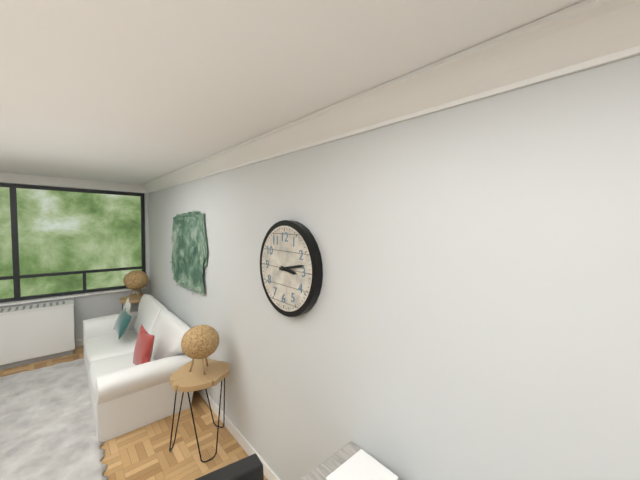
3h13
